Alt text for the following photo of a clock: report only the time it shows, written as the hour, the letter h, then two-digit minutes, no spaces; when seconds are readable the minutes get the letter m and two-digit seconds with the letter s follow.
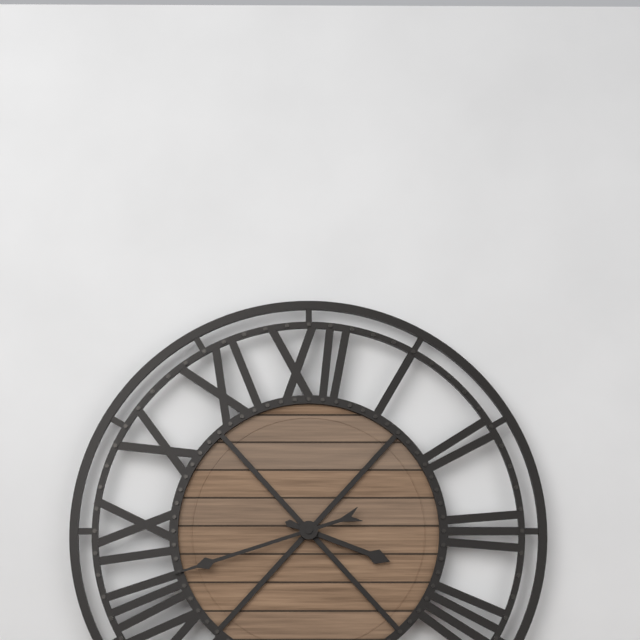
3h42
